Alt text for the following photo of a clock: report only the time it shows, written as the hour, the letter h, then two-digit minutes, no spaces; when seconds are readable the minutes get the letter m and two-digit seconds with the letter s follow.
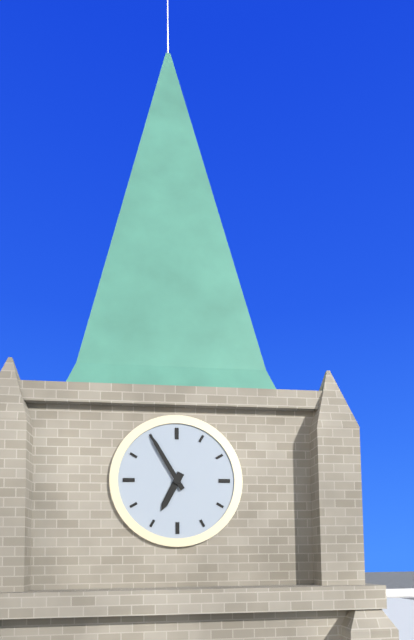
6h55
